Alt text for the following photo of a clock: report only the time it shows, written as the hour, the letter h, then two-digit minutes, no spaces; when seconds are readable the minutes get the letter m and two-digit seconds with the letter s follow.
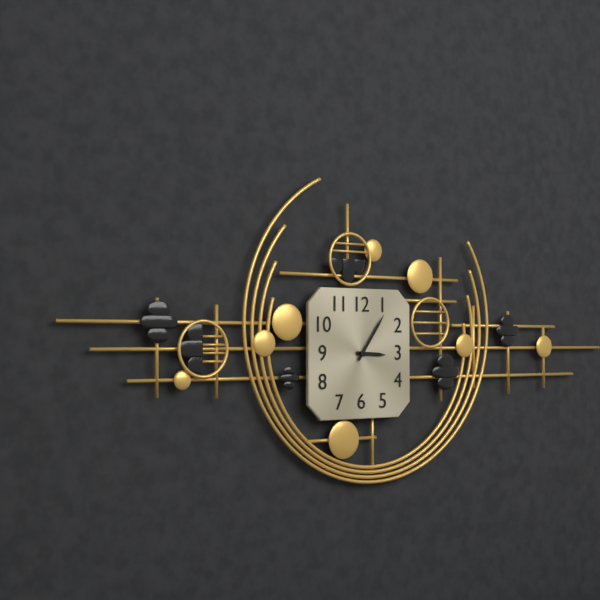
3h06
